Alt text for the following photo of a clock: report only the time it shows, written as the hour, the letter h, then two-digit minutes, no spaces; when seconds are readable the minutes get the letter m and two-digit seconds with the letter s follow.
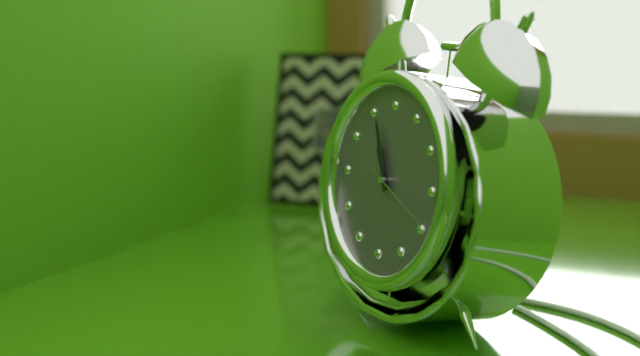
10h56m19s
